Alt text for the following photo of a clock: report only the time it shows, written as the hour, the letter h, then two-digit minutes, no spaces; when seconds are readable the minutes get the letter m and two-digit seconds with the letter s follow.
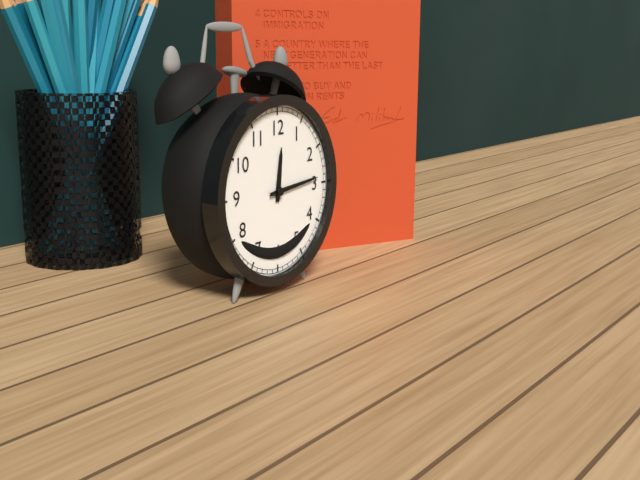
12h14
